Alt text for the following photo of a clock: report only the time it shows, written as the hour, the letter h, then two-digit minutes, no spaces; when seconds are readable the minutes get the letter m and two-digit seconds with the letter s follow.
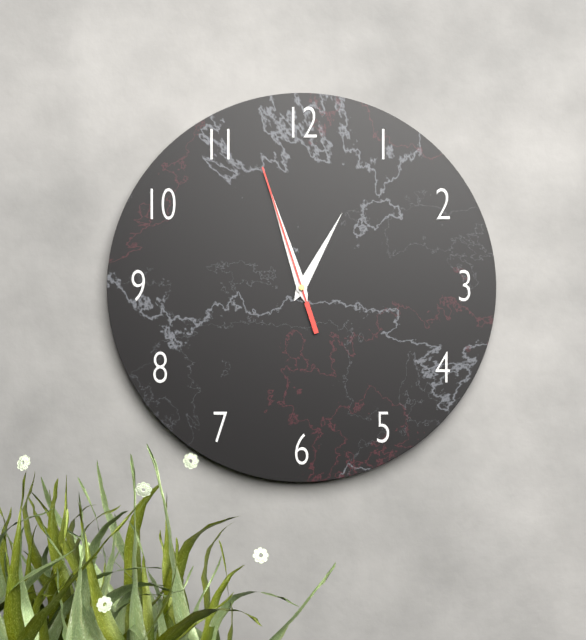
12h57m57s
